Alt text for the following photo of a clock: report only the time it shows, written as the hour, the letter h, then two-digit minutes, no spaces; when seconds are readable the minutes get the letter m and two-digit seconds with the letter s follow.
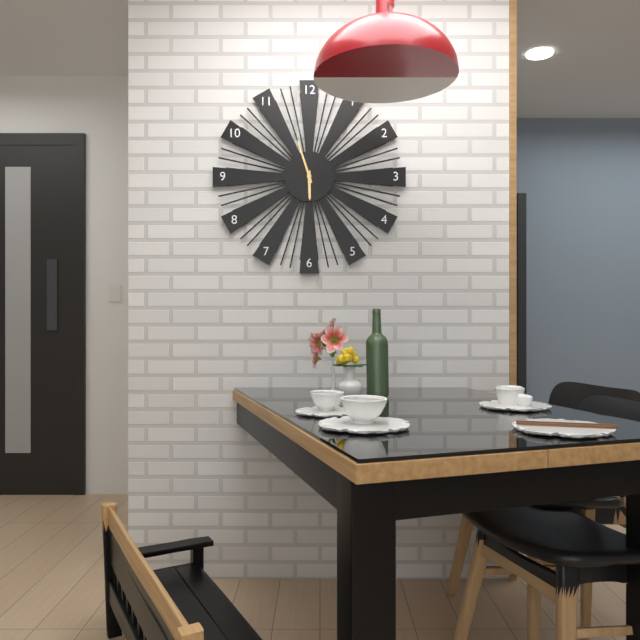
5h57
